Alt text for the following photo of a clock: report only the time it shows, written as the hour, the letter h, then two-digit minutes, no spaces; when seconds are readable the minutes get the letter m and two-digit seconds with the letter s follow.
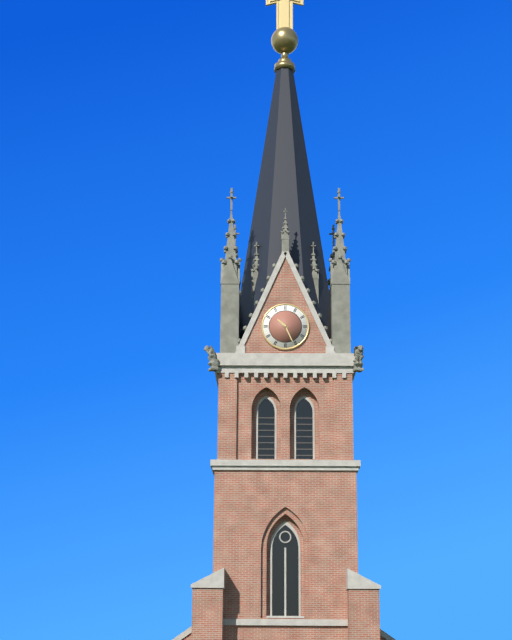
10h26
